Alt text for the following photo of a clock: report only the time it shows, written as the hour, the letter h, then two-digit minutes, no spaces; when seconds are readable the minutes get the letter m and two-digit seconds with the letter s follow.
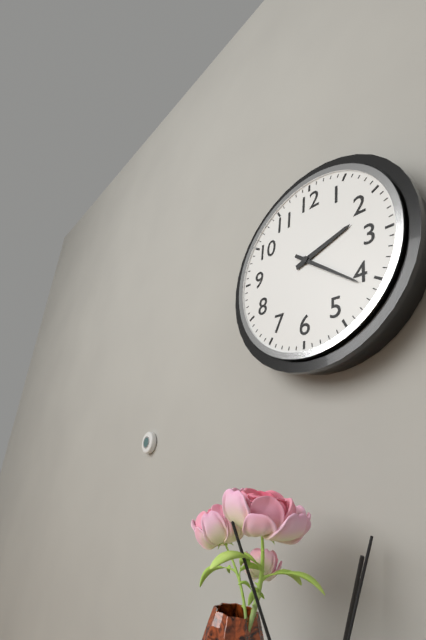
2h21
